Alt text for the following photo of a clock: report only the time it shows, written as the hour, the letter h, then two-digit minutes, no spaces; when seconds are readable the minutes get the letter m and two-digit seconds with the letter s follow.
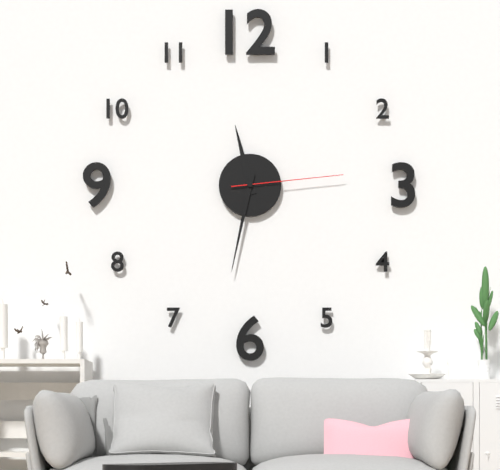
11h32m14s
